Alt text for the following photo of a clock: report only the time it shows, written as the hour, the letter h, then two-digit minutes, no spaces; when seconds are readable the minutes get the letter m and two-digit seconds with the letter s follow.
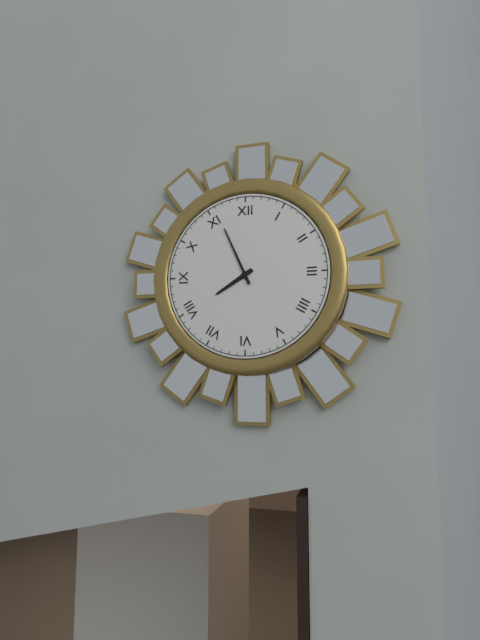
7h56
